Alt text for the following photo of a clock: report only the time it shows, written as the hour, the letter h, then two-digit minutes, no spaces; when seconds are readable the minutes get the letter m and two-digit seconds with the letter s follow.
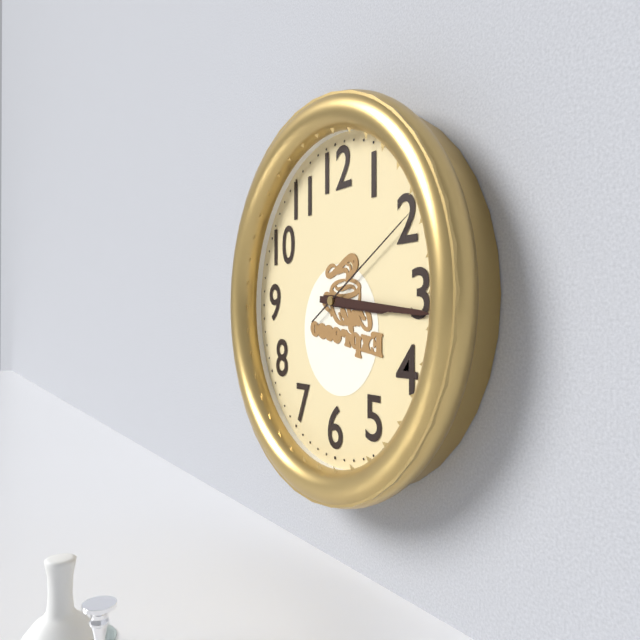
3h16m10s
